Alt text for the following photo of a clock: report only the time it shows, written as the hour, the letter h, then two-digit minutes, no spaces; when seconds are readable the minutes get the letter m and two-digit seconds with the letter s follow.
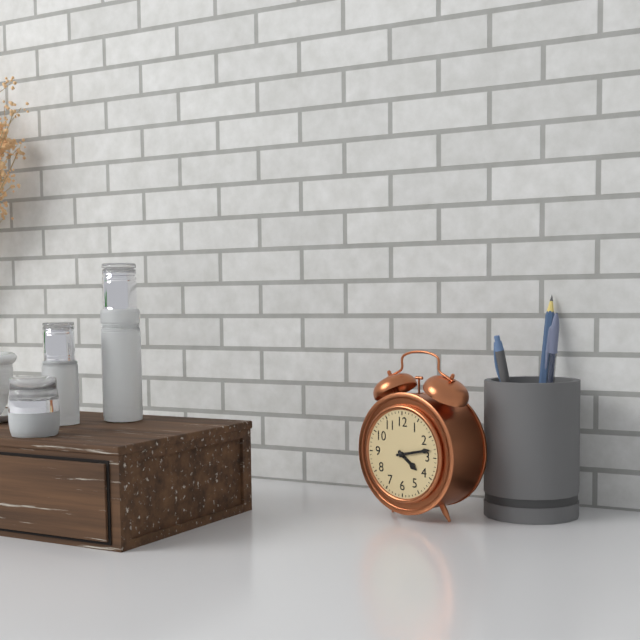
4h13
